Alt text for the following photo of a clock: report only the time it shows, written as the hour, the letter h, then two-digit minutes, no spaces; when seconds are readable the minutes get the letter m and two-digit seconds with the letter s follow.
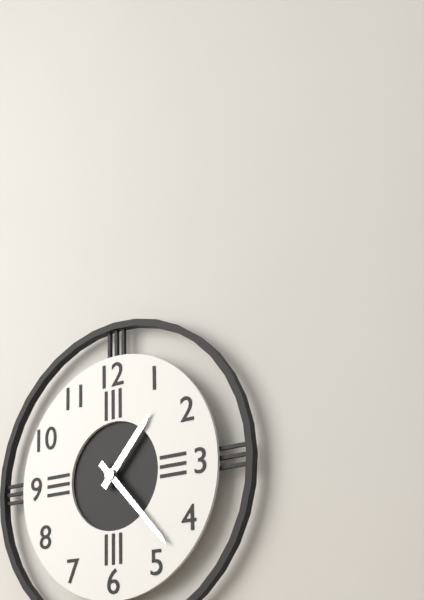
1h23
